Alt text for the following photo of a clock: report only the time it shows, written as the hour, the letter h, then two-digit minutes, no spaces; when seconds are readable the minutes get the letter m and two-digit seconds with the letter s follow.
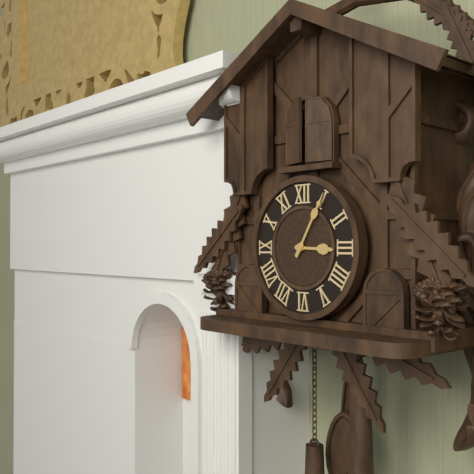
3h05
